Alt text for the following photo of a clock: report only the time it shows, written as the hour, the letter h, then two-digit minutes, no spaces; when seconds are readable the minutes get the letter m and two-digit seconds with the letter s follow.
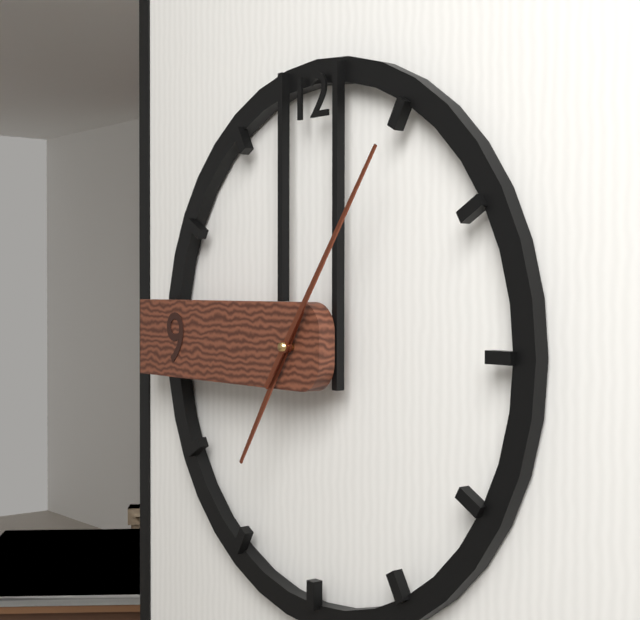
7h06
